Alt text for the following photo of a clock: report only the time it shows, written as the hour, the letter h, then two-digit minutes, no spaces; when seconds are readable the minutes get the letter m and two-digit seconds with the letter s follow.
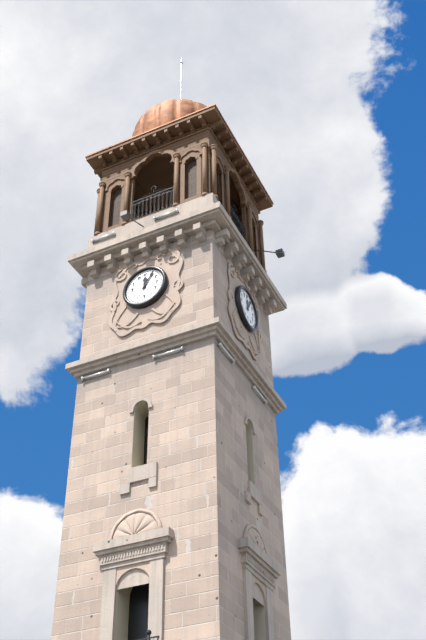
12h05
